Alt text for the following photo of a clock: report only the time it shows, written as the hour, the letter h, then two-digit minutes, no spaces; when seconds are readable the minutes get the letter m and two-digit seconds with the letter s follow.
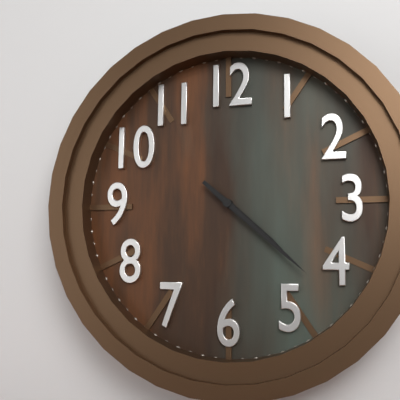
4h22
